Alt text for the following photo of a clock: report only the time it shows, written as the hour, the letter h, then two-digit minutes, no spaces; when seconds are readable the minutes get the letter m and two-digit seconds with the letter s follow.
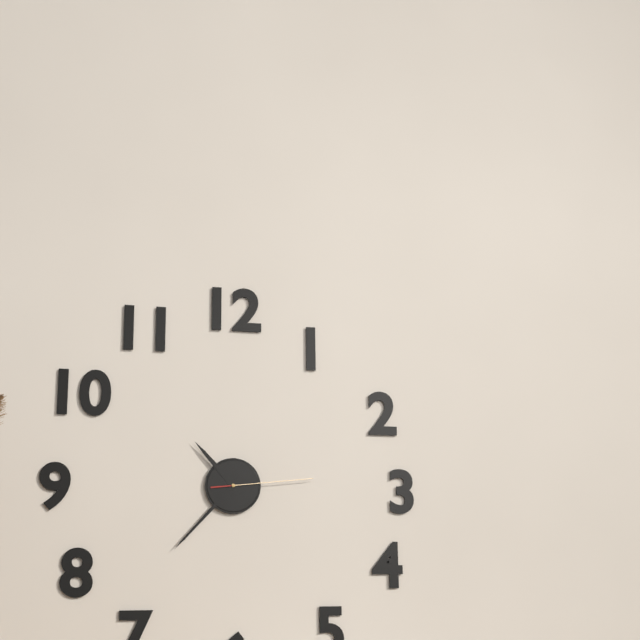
10h37m14s
